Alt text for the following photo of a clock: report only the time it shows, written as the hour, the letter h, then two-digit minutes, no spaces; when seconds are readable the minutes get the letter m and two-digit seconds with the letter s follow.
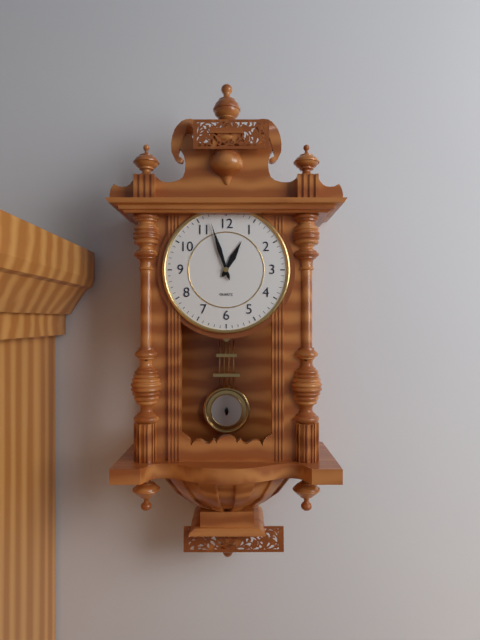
12h57
